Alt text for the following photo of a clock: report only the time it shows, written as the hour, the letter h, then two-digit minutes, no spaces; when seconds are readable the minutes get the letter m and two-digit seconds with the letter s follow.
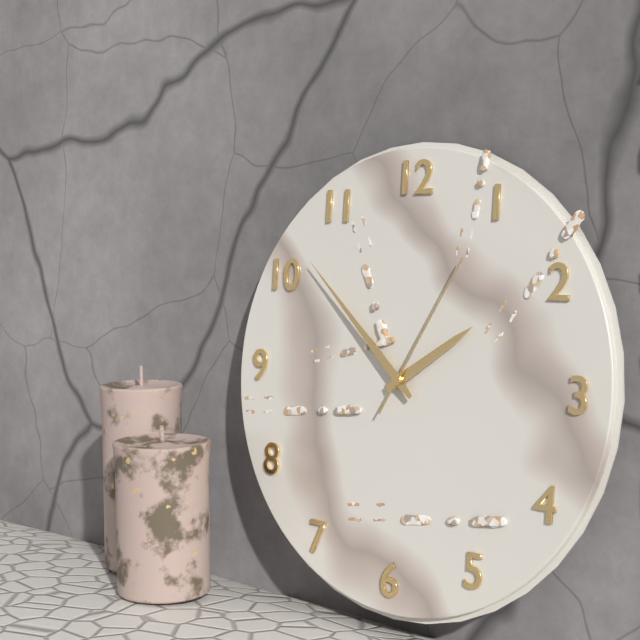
1h52m05s
